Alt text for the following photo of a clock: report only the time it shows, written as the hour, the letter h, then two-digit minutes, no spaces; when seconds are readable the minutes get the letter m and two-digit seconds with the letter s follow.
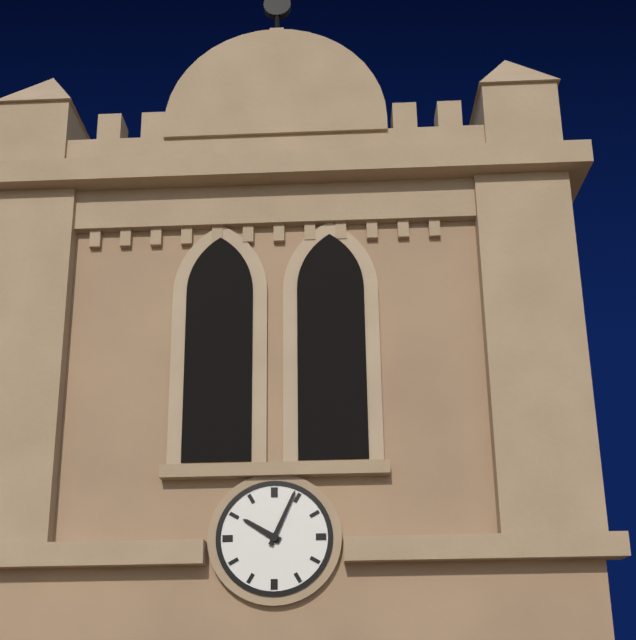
10h04
